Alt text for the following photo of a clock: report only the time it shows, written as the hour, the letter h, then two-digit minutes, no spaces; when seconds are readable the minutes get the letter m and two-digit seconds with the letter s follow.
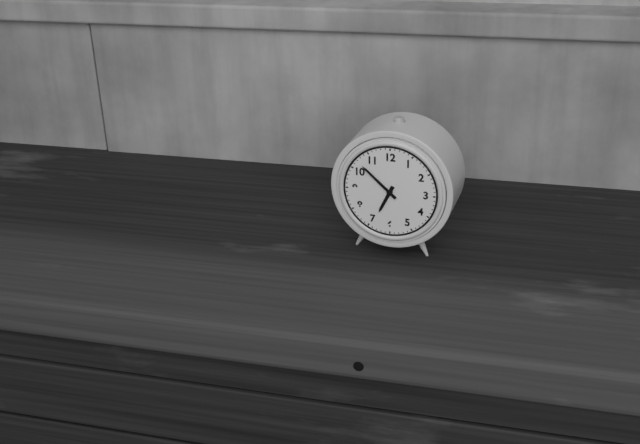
6h52
